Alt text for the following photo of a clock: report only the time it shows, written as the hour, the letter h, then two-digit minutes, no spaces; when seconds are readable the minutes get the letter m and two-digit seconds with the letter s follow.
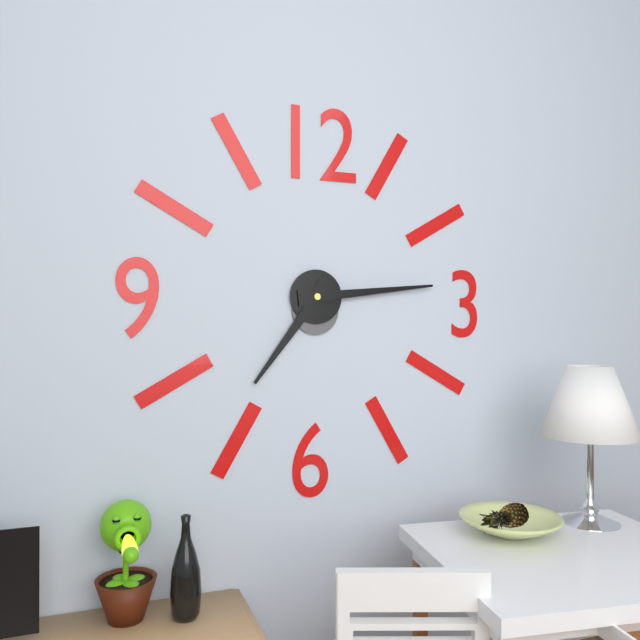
7h14
